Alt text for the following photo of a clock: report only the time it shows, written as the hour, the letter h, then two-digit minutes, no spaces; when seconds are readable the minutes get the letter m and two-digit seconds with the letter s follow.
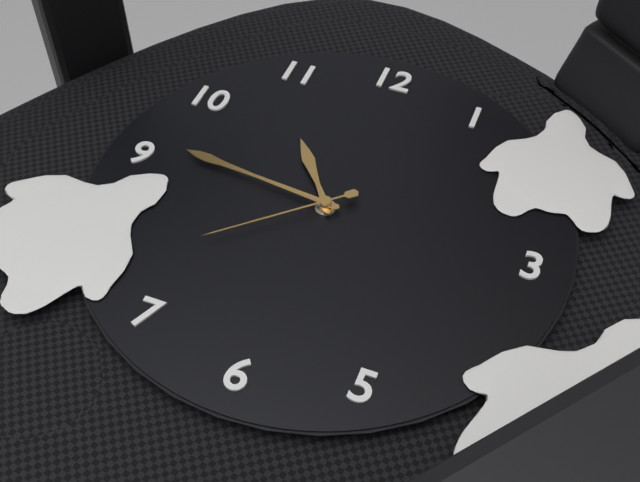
10h46m38s
